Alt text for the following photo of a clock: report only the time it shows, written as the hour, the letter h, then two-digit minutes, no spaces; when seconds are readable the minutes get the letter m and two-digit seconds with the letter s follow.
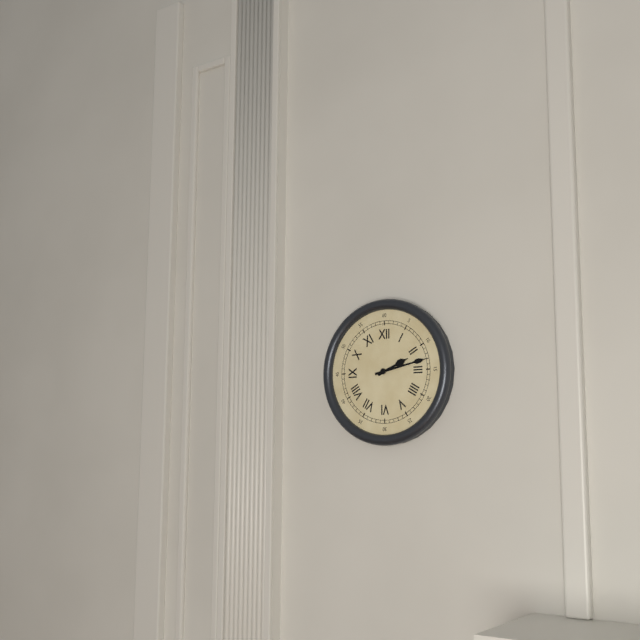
2h13
